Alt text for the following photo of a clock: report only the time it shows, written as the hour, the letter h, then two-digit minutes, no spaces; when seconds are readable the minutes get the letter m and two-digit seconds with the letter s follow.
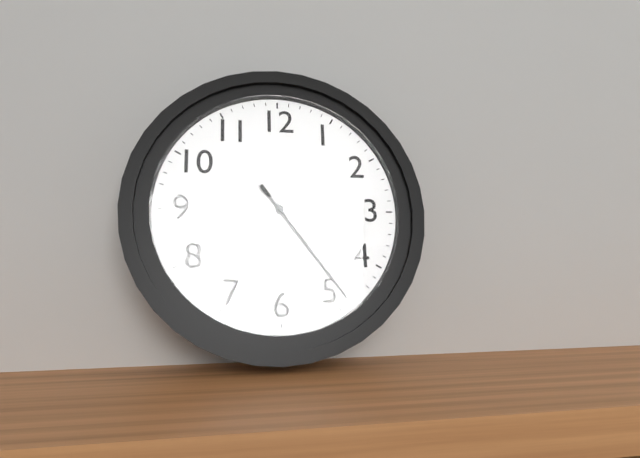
2h24
